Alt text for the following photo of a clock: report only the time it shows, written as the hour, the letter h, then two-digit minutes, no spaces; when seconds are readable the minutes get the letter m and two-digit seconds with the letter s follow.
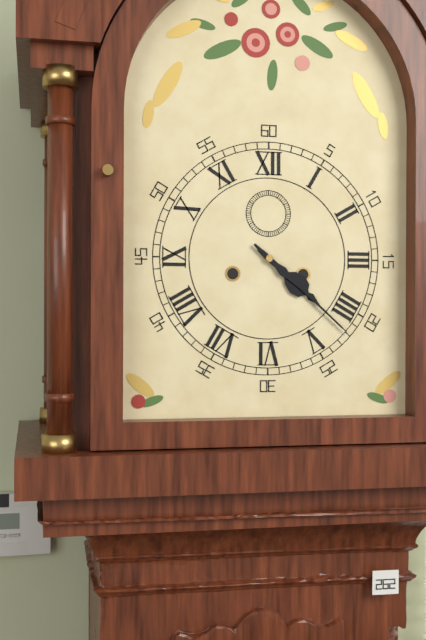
4h22
